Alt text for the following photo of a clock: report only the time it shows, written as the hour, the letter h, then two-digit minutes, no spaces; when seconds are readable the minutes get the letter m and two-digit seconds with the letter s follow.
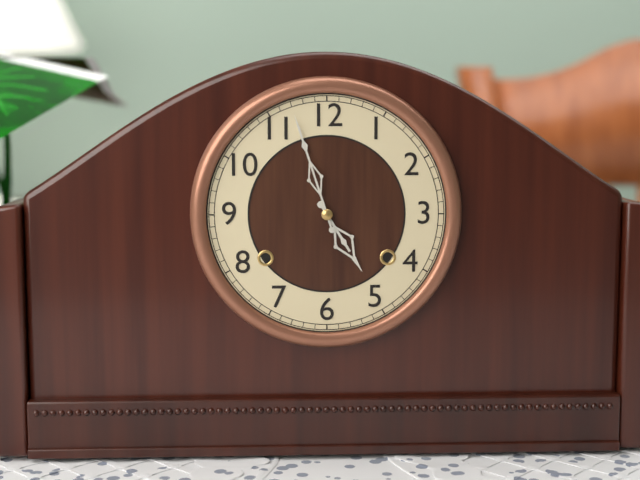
4h57
